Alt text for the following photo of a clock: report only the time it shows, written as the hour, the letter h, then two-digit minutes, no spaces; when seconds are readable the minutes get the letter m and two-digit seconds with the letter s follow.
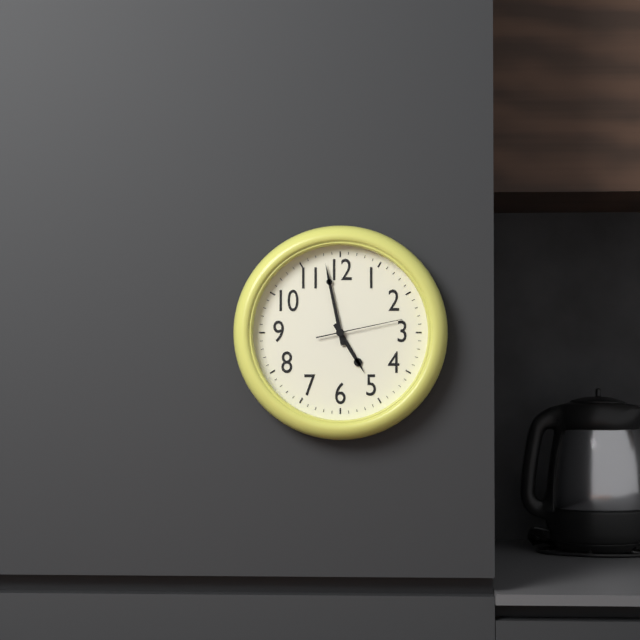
4h58m13s
